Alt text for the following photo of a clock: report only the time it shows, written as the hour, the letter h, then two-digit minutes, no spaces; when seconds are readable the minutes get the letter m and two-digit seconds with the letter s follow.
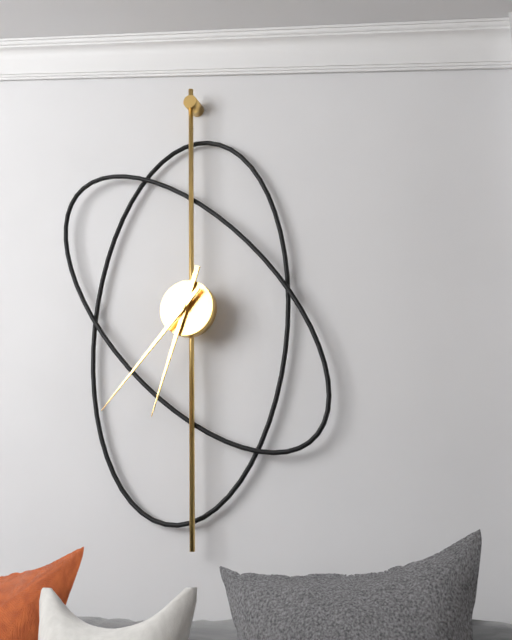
6h37
